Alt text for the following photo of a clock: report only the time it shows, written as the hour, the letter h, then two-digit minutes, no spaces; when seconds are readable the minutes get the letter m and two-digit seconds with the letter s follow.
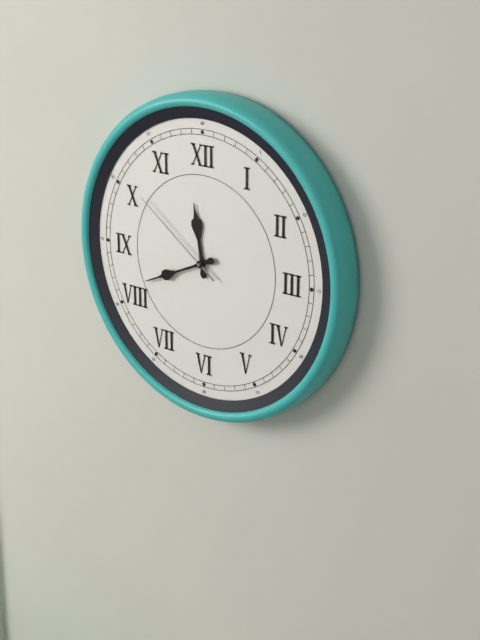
11h41m51s
